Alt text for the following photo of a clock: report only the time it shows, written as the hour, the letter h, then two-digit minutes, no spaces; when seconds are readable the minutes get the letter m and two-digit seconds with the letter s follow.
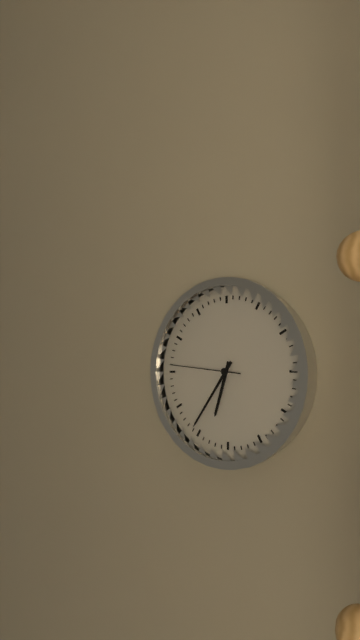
6h36m46s
